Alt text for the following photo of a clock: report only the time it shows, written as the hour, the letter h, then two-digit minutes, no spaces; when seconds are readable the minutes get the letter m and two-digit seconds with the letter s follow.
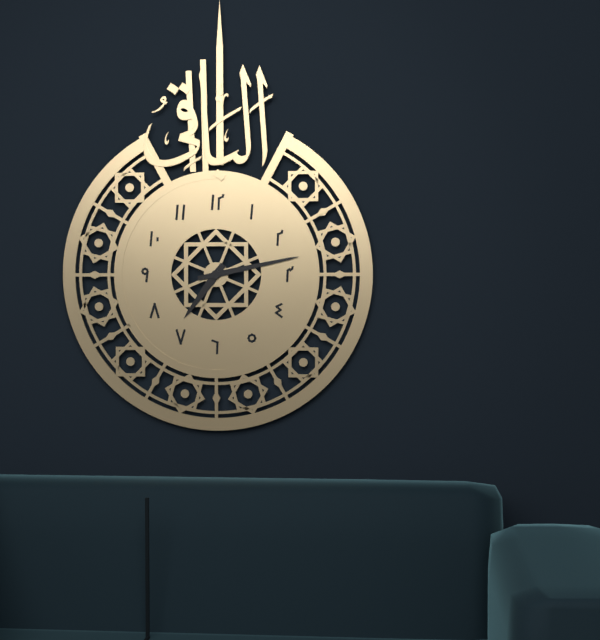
7h13
